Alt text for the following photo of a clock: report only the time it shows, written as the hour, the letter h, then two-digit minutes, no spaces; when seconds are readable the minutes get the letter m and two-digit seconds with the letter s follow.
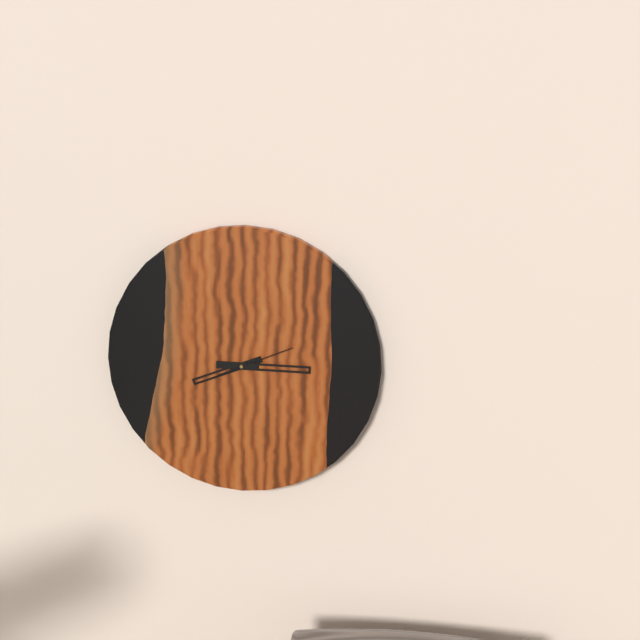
8h15m11s
